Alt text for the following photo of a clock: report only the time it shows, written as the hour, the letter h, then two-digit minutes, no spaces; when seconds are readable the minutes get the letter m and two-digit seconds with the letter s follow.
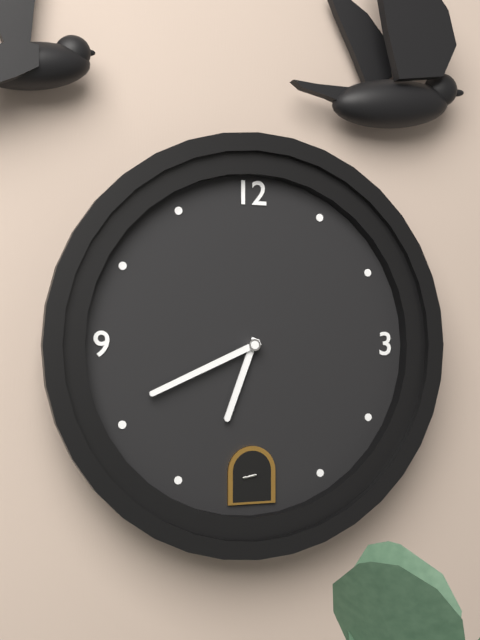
6h41
